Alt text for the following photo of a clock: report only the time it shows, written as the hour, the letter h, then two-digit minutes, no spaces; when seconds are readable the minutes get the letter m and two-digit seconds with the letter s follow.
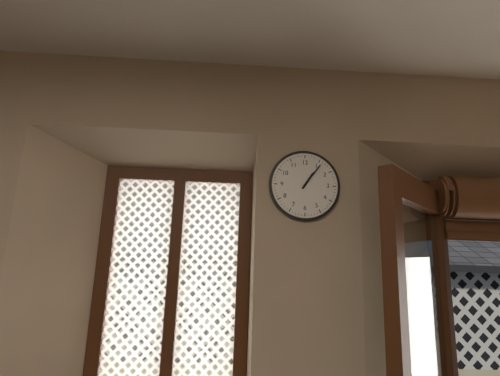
1h06
